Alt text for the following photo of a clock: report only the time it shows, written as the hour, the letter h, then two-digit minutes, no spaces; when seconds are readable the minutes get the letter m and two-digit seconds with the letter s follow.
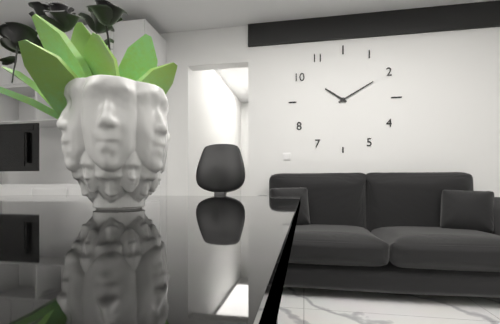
10h10
